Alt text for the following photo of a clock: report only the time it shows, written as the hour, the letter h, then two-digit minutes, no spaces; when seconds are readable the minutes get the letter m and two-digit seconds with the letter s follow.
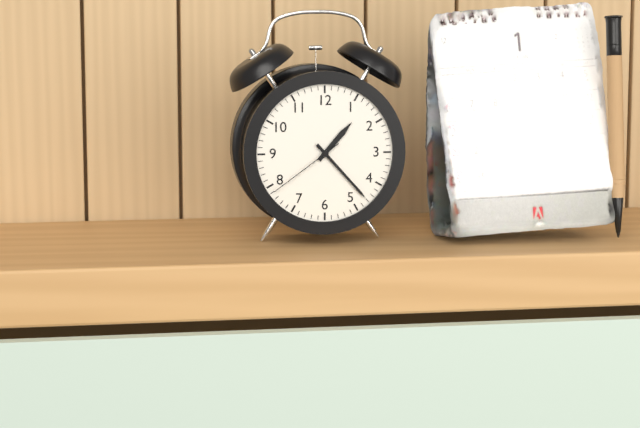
1h23m39s
